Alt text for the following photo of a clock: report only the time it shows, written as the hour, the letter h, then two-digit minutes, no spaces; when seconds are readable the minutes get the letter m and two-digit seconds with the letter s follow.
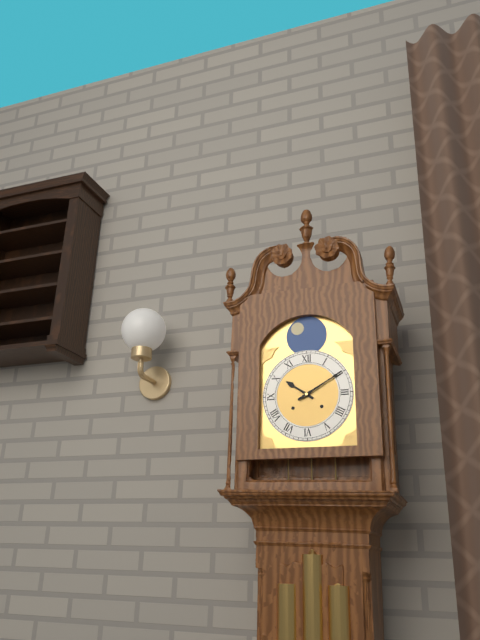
10h10
